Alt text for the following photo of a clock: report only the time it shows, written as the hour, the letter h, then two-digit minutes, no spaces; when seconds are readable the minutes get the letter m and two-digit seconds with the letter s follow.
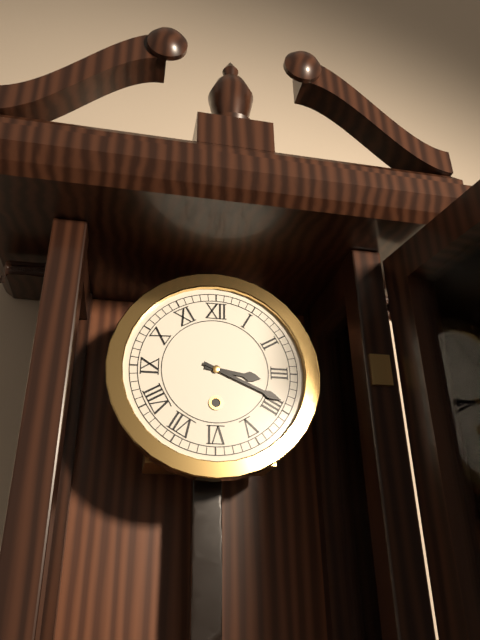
3h19
